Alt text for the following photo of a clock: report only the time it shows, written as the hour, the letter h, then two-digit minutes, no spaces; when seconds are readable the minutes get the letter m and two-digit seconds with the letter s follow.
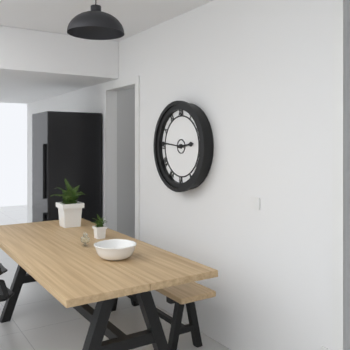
2h46
